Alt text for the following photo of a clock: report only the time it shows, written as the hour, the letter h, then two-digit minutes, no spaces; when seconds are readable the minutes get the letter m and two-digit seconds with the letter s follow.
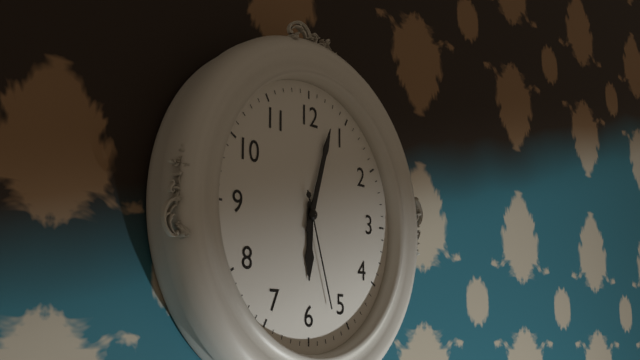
6h03m27s
